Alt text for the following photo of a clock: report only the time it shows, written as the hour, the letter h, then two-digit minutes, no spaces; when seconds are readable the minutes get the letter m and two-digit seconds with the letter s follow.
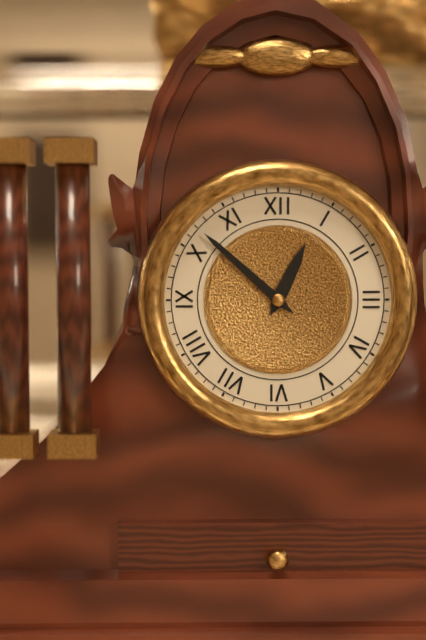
12h52
